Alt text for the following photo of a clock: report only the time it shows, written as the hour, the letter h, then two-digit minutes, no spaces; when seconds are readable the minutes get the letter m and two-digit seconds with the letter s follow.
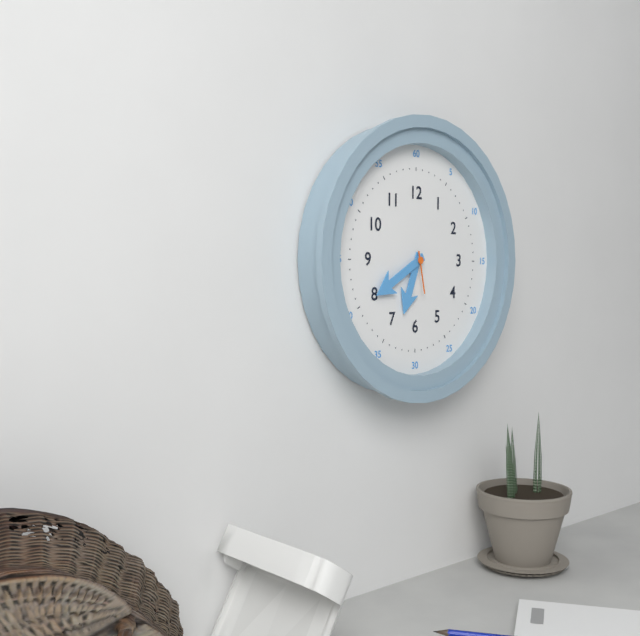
6h40m28s
